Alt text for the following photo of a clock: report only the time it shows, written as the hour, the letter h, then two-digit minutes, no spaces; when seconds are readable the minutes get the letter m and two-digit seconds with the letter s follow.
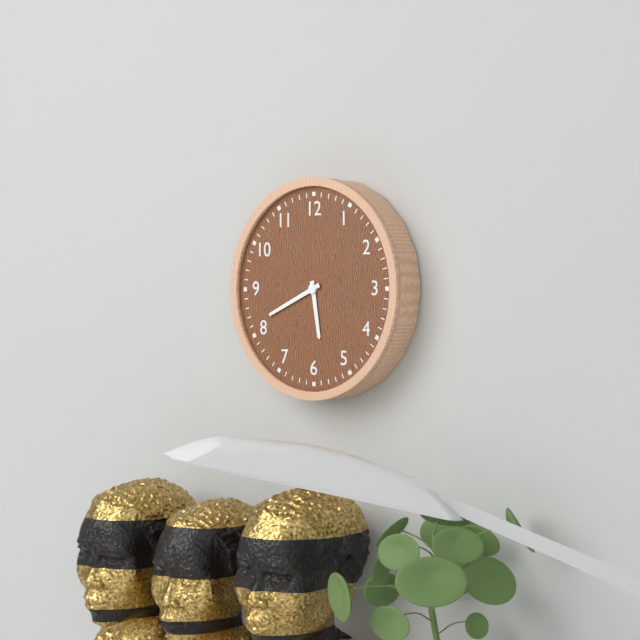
5h41
